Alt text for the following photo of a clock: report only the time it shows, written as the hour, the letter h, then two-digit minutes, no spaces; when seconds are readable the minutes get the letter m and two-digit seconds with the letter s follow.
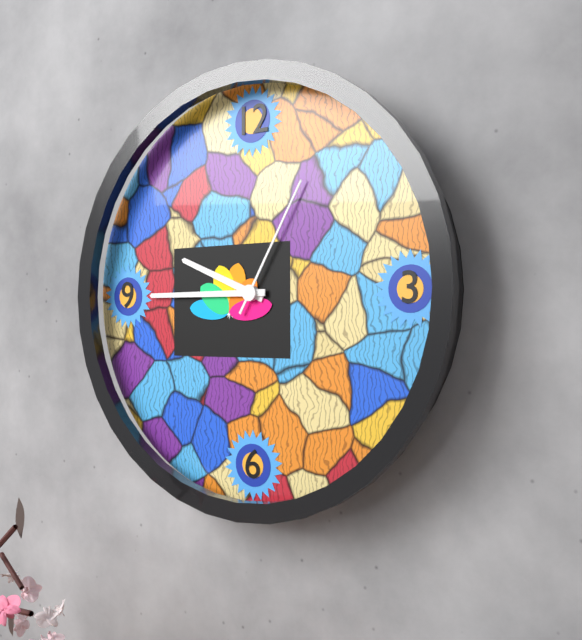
9h45m05s
